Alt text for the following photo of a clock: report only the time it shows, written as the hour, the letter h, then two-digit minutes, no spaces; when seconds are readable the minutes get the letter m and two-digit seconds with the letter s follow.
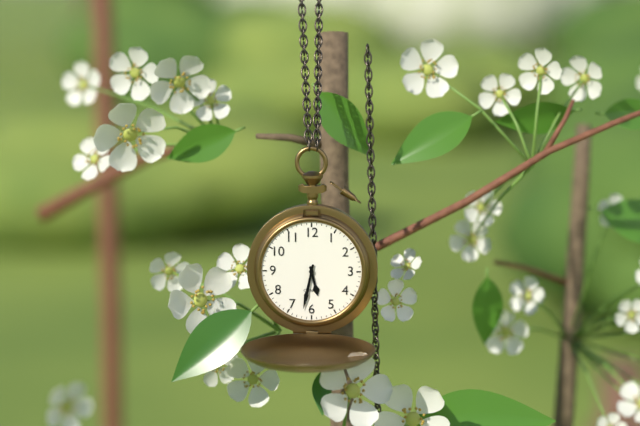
5h32
